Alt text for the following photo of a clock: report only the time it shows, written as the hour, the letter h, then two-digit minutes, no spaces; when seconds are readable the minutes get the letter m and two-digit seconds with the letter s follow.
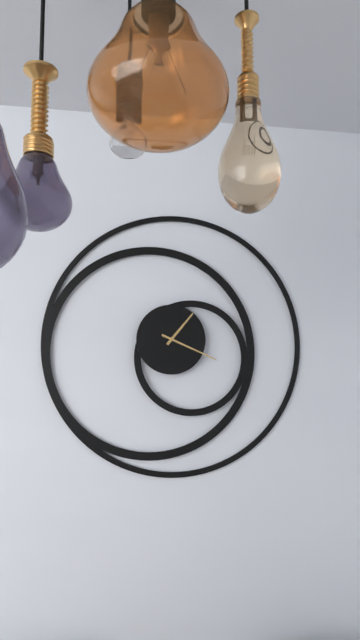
1h19
